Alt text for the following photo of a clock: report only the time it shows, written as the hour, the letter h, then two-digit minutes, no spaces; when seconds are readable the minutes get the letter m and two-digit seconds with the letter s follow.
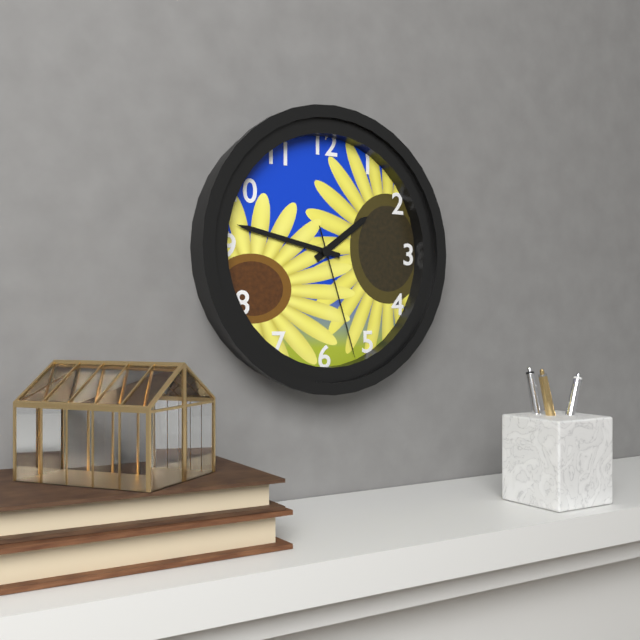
1h47m27s
